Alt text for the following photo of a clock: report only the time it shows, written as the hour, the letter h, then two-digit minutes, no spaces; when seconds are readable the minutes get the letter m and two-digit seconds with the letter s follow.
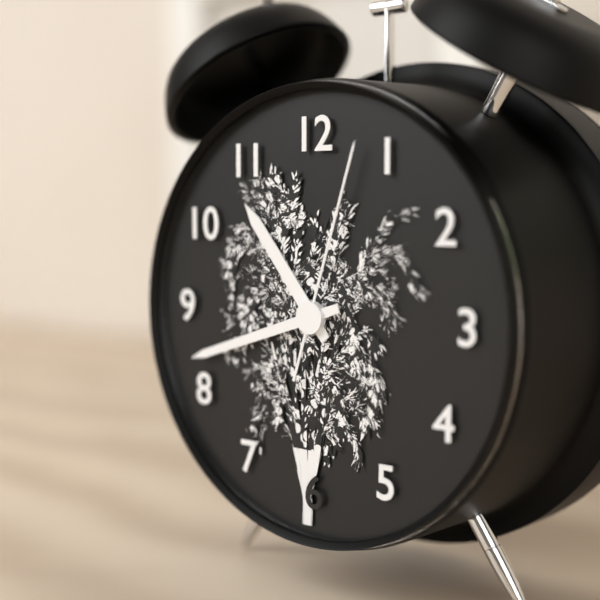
10h42m03s
